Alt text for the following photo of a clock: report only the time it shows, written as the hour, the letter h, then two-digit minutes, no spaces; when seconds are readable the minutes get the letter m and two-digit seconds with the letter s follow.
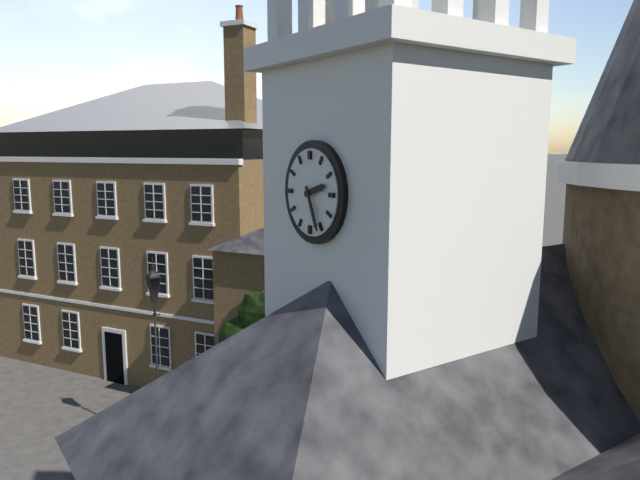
2h26
